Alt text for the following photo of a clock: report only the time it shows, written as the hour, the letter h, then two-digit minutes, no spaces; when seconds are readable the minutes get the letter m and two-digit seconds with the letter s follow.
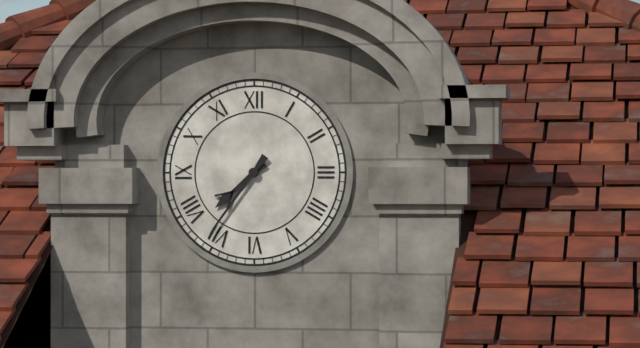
7h36
